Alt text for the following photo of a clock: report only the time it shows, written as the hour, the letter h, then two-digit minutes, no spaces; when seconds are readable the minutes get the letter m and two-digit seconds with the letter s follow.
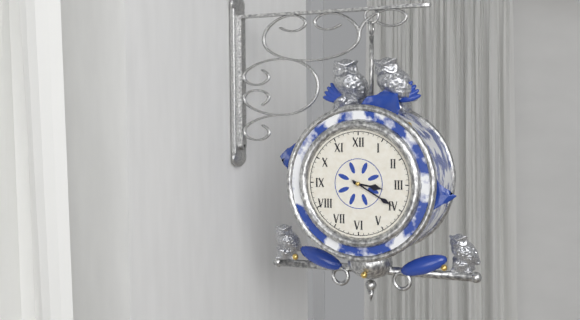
3h20
